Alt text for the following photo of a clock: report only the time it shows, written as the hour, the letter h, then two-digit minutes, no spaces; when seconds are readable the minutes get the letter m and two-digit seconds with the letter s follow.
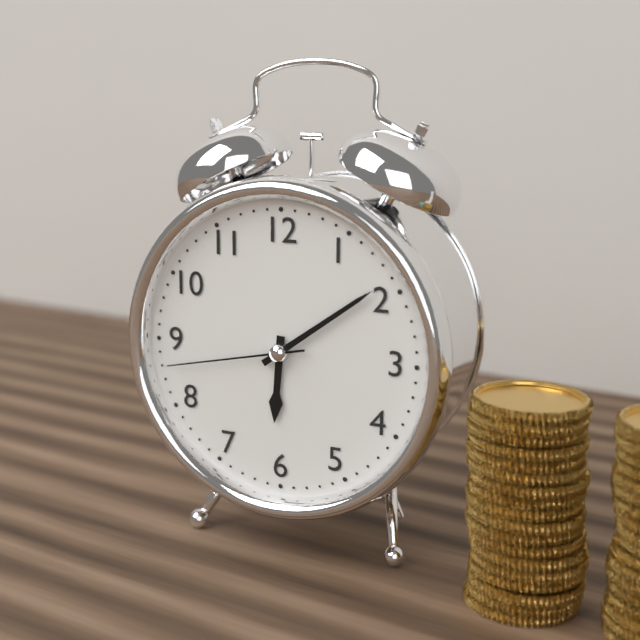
6h09m43s
